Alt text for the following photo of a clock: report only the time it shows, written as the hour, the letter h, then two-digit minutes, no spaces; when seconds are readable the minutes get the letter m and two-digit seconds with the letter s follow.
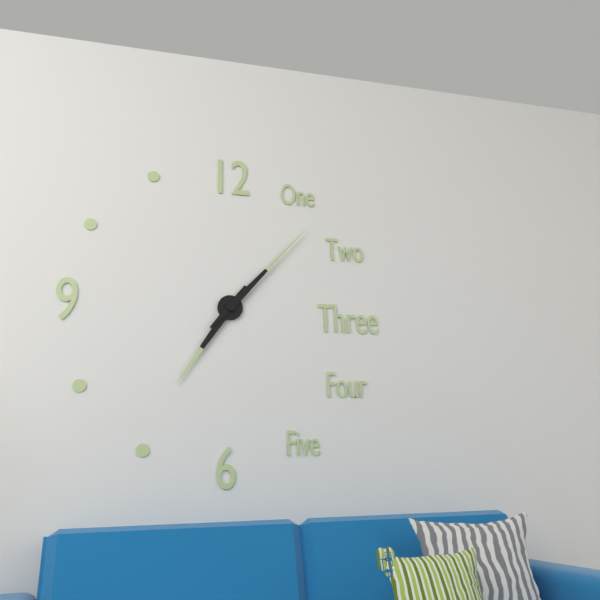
7h07
